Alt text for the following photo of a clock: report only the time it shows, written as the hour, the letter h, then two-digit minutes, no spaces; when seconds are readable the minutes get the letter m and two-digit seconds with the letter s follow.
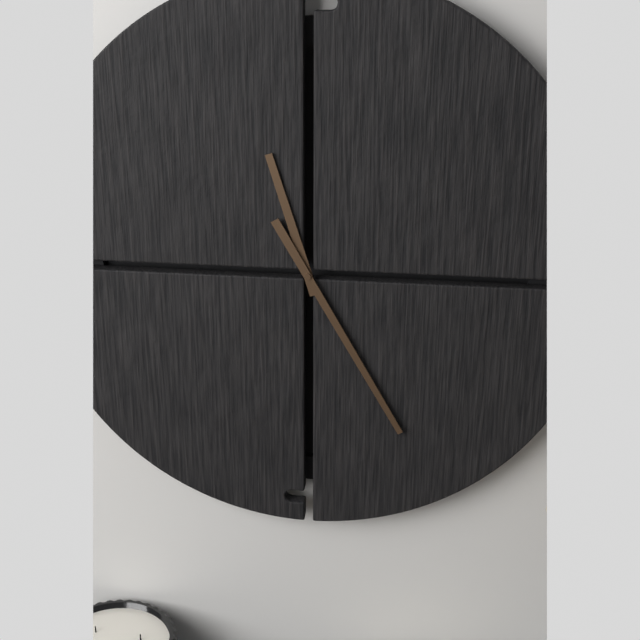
11h25
